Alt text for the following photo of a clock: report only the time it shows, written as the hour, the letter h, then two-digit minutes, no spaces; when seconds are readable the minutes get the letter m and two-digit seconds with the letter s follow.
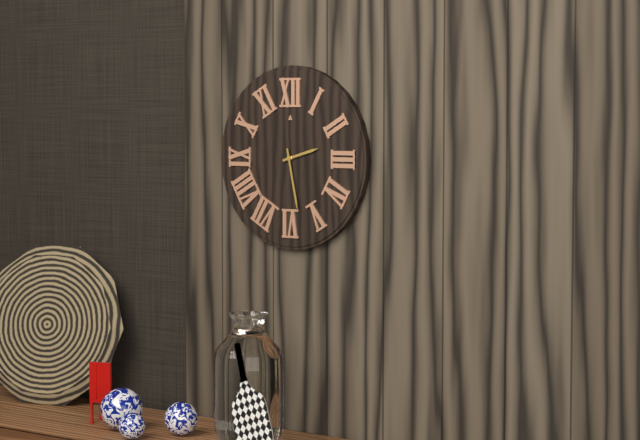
2h28
